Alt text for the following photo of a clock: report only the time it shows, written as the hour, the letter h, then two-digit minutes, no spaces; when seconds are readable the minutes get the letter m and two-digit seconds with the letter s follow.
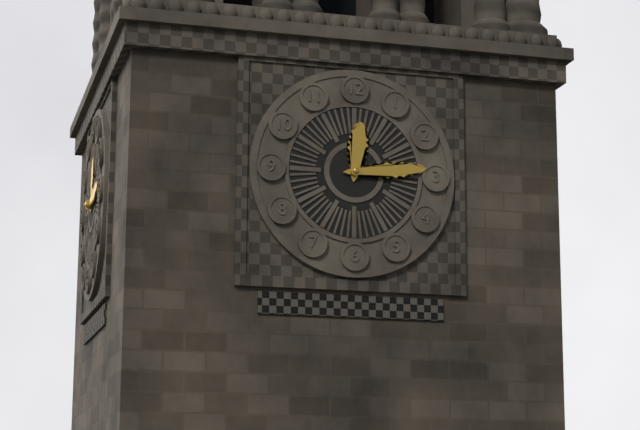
12h14
